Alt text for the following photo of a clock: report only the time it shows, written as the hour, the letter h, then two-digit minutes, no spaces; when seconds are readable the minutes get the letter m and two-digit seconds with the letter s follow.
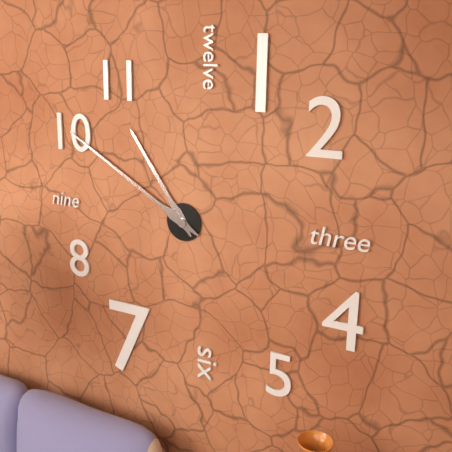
10h50
